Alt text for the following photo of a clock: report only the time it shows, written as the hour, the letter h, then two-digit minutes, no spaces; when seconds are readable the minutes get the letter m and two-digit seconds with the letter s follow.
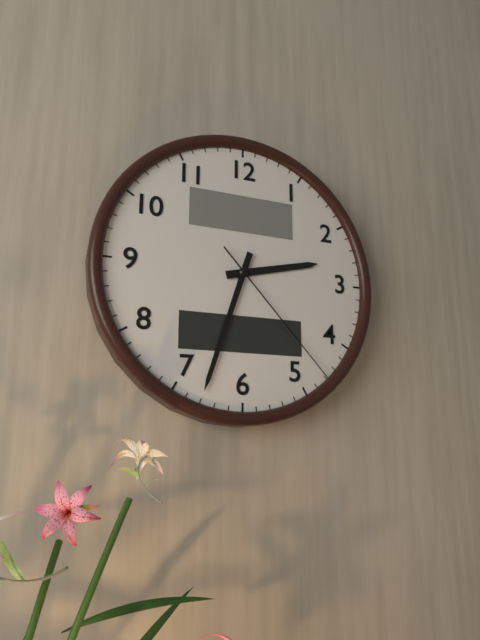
2h33m23s
